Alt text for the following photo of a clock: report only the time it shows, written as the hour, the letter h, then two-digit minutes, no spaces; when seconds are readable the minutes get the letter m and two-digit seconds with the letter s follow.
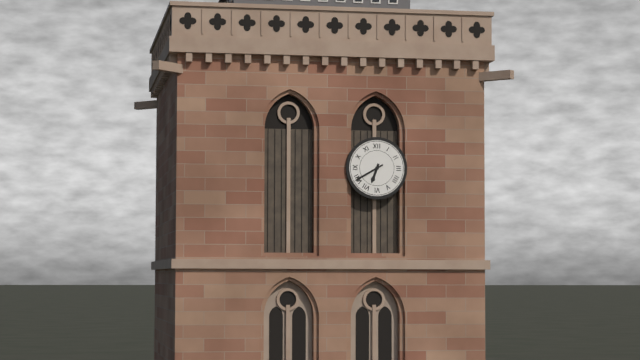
6h40
